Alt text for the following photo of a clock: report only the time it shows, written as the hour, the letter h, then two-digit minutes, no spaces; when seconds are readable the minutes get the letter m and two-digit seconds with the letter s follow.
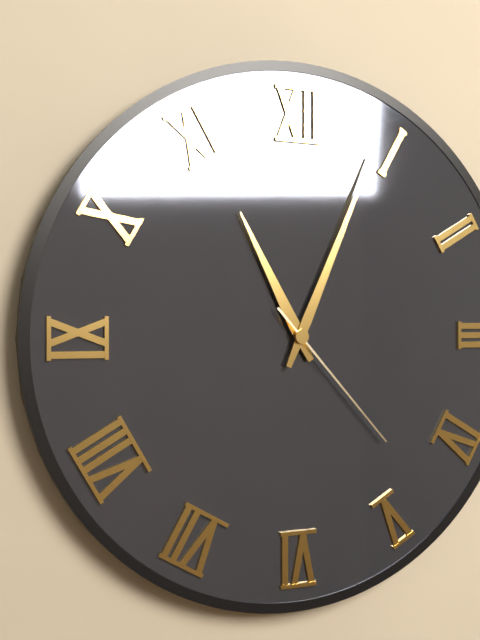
11h04m23s
